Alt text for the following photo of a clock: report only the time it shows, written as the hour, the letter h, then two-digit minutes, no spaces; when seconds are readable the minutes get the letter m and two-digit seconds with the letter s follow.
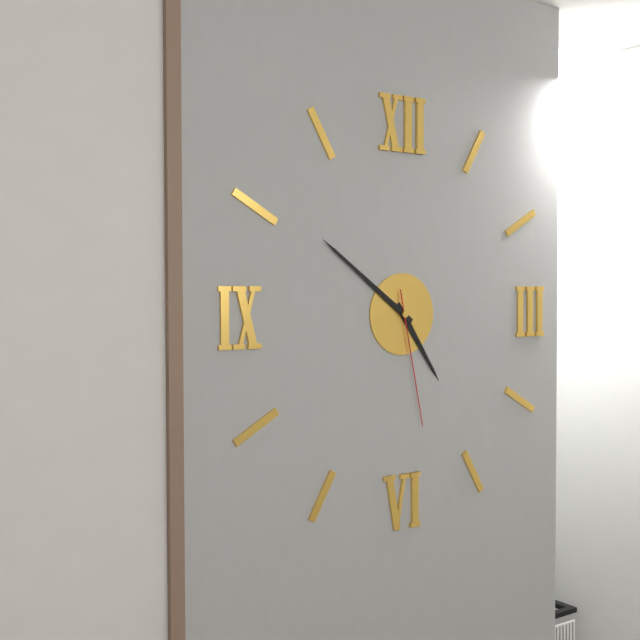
4h51m28s
